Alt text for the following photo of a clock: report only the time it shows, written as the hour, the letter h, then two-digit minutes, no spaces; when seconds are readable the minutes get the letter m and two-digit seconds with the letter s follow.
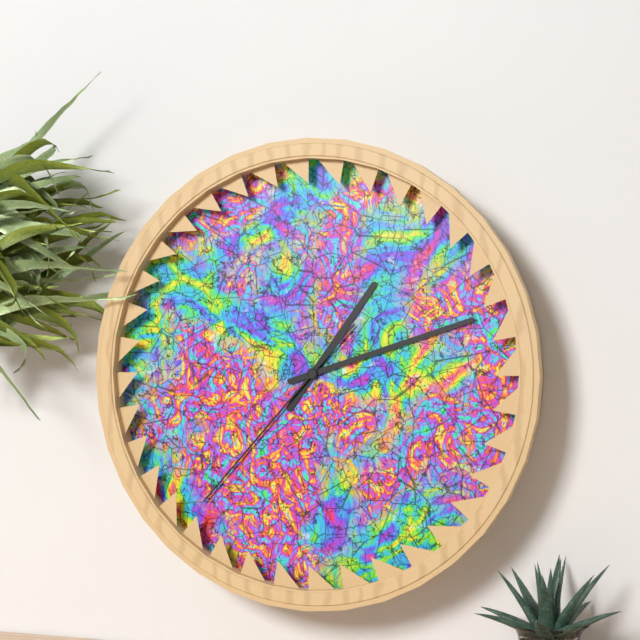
1h12m37s
